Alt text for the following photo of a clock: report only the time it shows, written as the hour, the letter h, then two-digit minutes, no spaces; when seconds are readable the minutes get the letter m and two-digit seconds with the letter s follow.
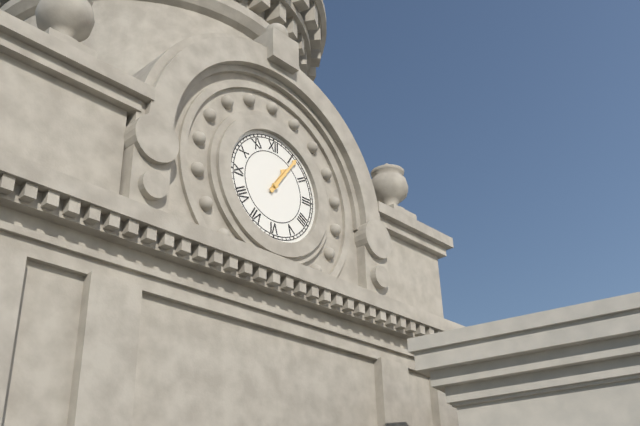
1h06
